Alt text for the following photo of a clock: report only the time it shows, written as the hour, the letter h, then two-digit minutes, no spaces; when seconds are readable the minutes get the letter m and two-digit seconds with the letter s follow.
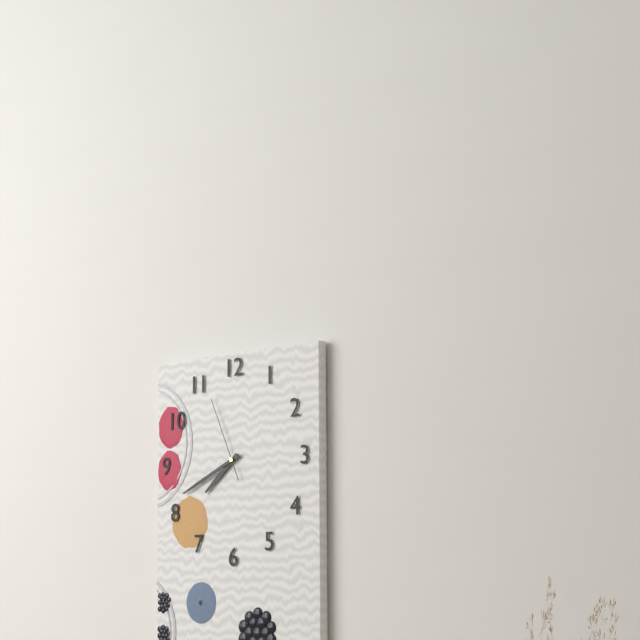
7h41m56s
